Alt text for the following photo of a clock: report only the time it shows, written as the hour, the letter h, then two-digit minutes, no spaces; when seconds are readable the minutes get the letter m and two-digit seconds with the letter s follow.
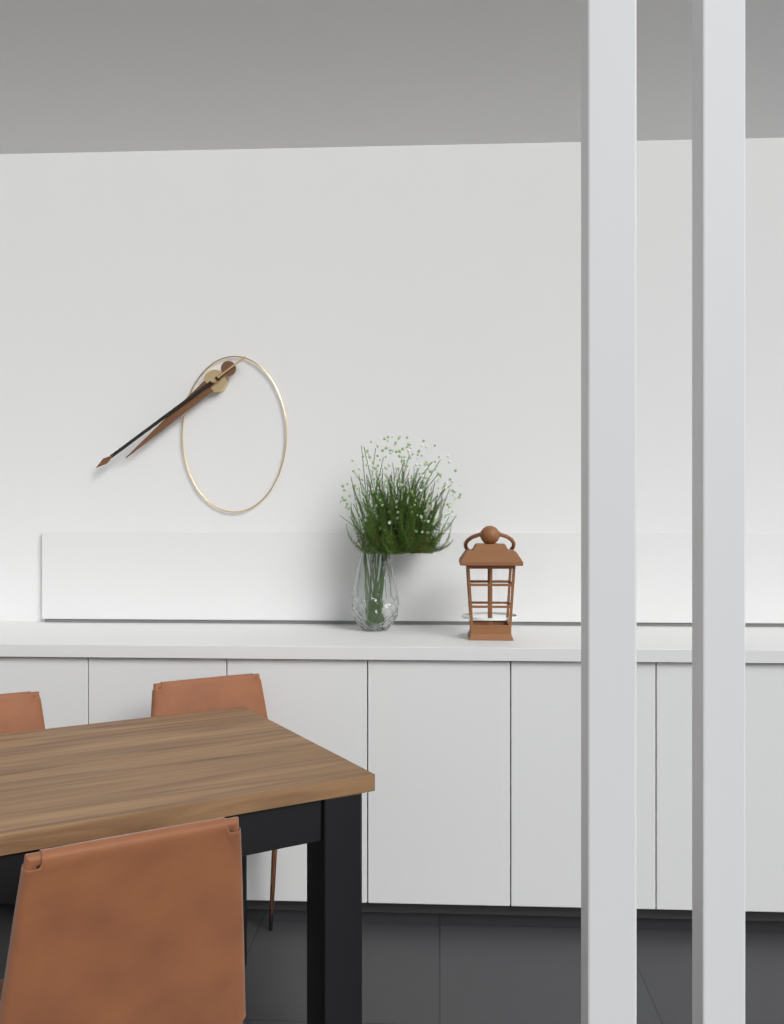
7h39
